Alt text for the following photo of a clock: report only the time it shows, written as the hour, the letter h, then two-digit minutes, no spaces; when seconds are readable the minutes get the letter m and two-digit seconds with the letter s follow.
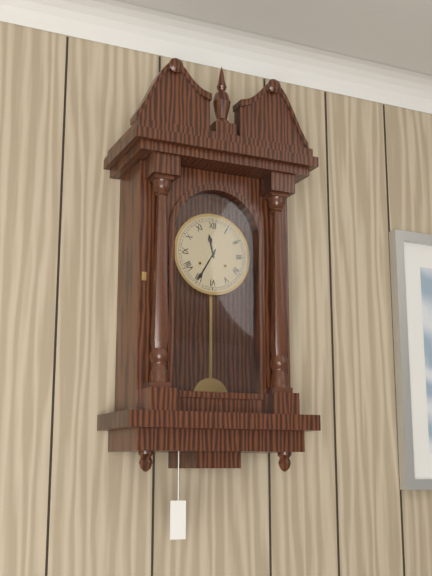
11h35
